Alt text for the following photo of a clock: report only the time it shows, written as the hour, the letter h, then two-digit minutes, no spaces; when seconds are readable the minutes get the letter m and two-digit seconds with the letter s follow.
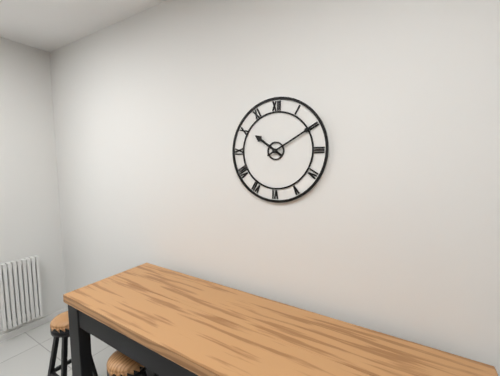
10h10
